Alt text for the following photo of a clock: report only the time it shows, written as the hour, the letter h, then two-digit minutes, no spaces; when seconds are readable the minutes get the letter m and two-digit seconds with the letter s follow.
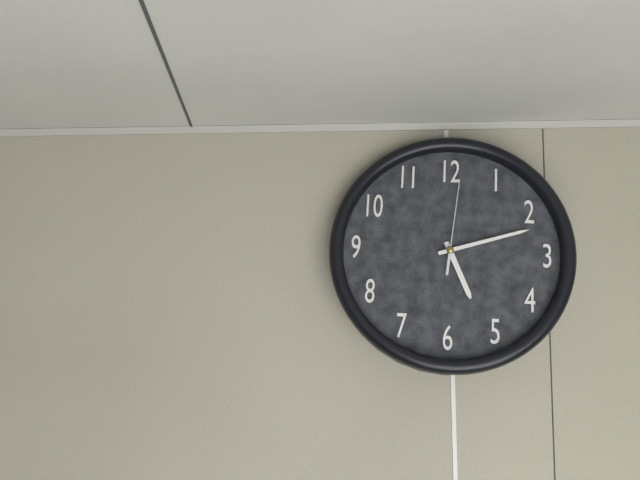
5h12m01s
